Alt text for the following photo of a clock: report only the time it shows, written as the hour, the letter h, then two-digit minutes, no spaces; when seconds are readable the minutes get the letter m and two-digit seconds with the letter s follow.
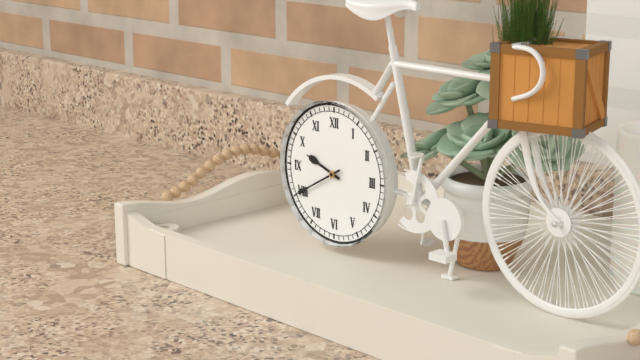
9h40
